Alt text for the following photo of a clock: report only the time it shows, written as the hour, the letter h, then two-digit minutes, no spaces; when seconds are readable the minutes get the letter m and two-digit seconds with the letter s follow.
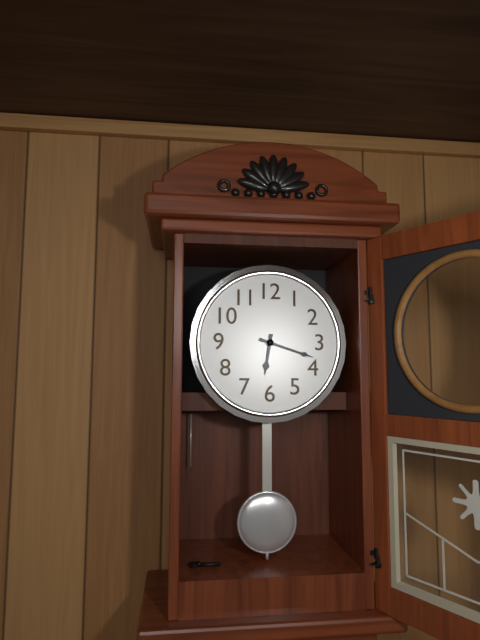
6h18
